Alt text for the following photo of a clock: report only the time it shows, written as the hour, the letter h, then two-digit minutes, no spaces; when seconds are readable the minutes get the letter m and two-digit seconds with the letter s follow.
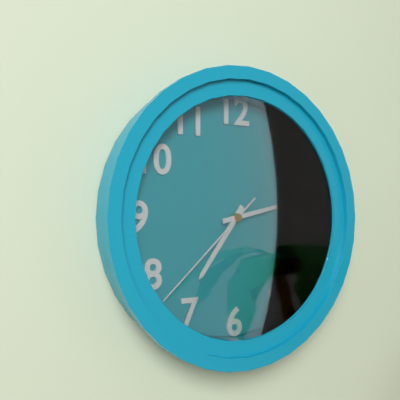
7h13m38s
